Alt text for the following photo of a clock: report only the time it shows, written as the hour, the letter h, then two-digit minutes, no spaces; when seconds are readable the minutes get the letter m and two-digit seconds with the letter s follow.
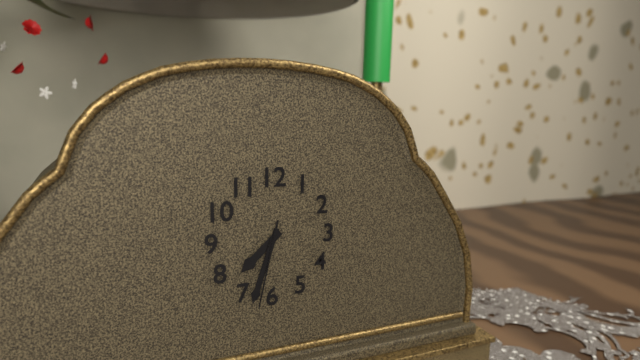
7h33m32s
